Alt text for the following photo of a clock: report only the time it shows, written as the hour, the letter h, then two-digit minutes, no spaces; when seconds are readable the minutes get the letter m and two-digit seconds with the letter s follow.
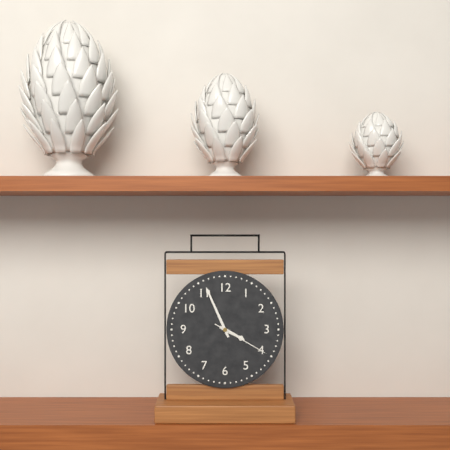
3h56m20s
